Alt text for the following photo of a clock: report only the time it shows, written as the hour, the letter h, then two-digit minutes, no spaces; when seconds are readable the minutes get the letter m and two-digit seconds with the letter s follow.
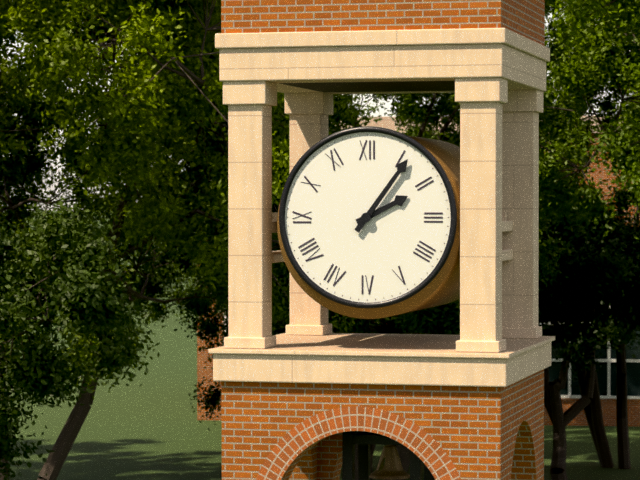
2h06
